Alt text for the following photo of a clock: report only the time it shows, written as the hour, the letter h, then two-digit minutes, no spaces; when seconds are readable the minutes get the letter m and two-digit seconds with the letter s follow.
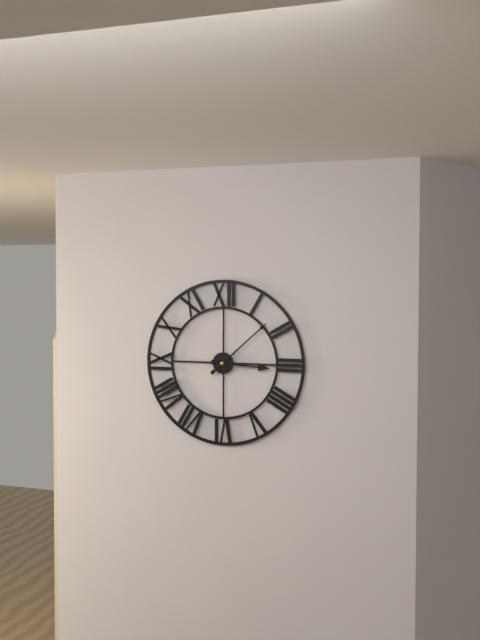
3h08
